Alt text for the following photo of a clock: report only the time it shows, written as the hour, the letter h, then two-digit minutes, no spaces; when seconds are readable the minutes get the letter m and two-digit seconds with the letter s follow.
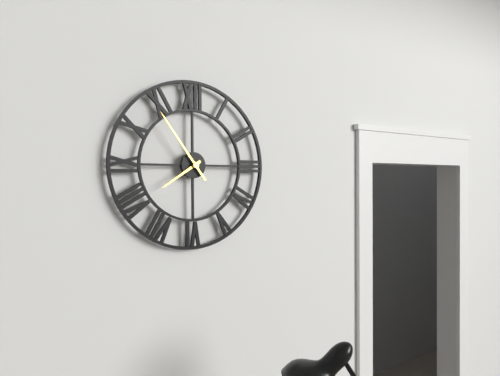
7h54
